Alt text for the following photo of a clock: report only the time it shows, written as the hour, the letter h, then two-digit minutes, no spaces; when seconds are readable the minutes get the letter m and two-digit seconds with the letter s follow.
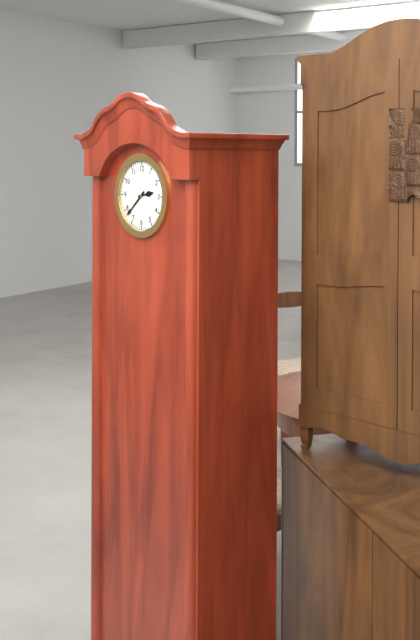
2h38
